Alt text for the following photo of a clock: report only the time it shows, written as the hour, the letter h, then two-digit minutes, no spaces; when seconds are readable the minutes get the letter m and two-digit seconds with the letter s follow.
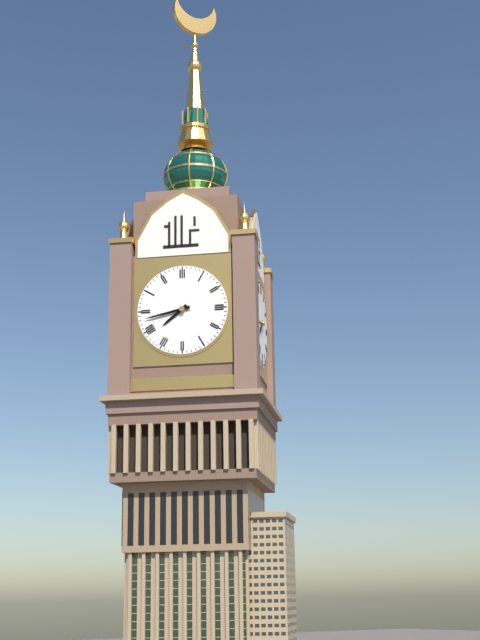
7h43
